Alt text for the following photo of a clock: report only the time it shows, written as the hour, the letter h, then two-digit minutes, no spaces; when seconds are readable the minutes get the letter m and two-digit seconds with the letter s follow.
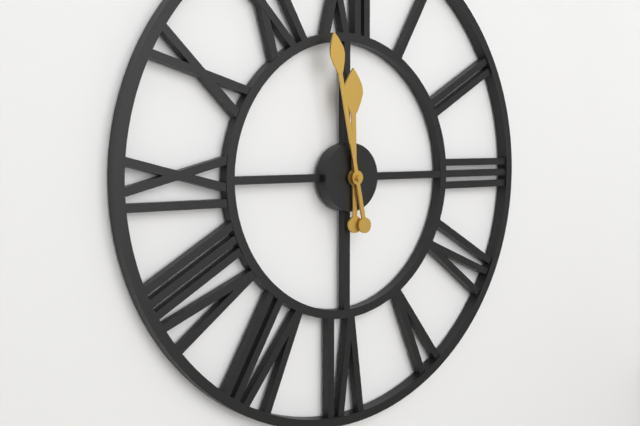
11h58
